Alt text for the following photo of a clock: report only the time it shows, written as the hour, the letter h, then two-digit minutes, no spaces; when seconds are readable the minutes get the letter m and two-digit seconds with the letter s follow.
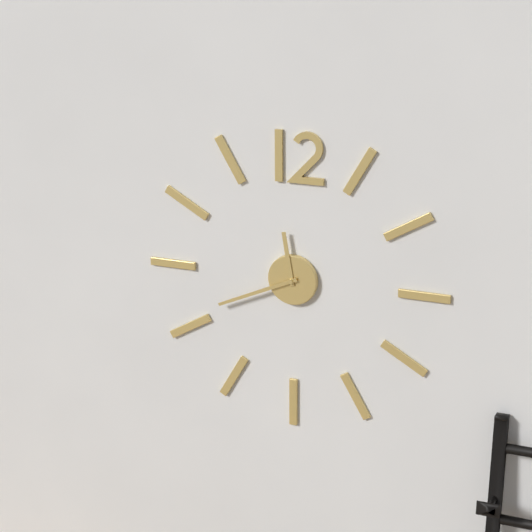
11h41
